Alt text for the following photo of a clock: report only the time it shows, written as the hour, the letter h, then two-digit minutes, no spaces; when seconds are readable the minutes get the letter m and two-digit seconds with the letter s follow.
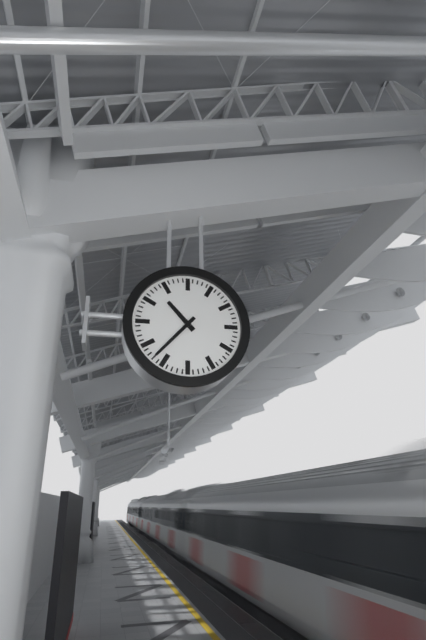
10h37
